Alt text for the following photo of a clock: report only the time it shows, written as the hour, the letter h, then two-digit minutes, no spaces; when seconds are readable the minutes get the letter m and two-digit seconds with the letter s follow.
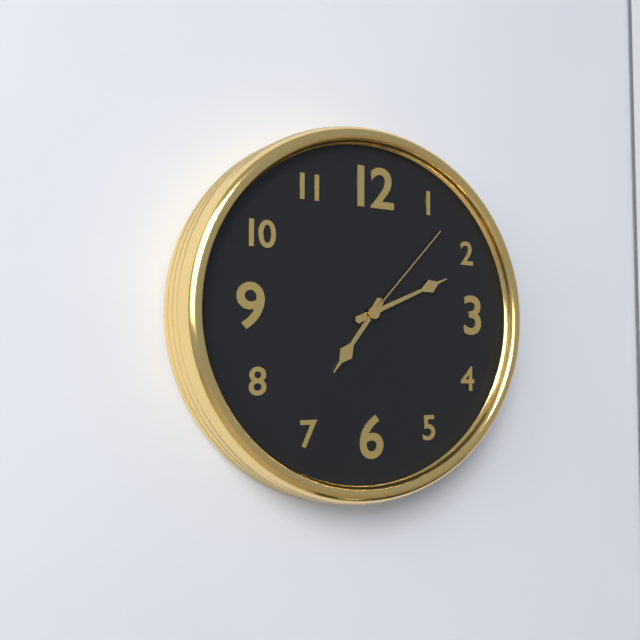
7h11m07s
